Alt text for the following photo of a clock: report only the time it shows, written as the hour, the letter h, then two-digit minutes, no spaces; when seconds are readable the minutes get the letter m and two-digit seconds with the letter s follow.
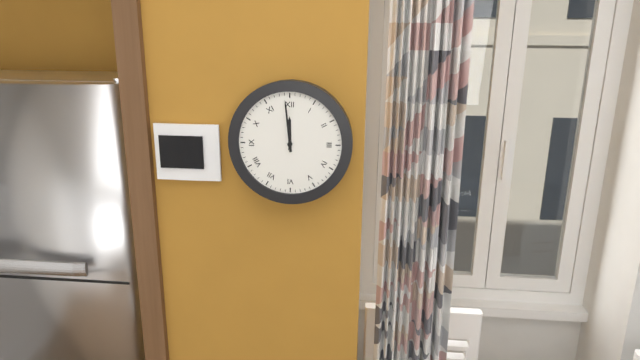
11h59
